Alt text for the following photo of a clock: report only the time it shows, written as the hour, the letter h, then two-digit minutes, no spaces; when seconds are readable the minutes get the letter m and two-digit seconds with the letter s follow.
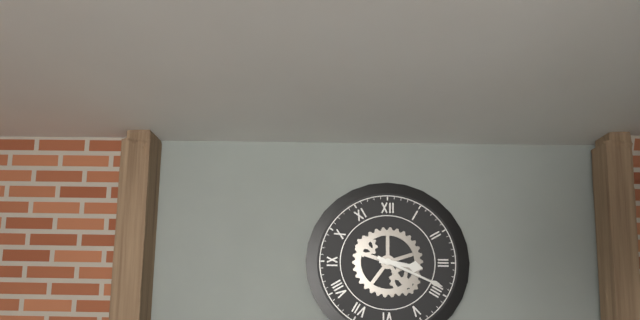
3h19
